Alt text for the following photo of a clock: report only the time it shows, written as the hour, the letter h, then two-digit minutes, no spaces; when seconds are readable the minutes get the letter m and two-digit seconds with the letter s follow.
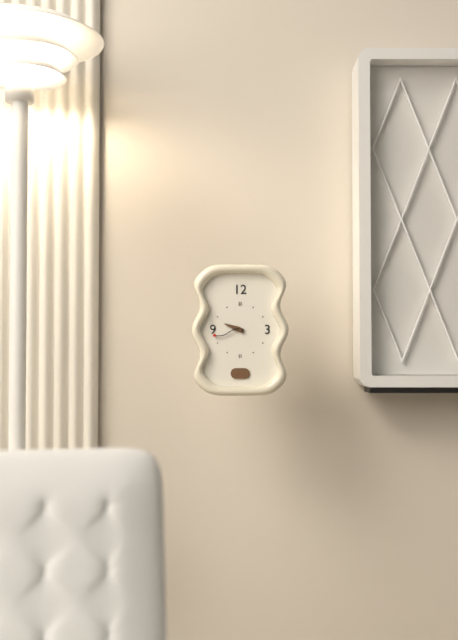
9h43
